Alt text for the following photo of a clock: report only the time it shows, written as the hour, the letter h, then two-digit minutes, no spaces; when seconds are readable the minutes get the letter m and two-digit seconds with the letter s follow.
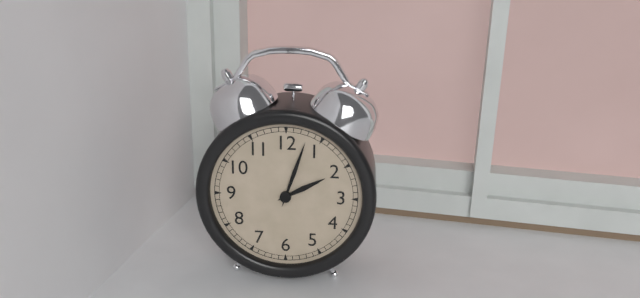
2h03
